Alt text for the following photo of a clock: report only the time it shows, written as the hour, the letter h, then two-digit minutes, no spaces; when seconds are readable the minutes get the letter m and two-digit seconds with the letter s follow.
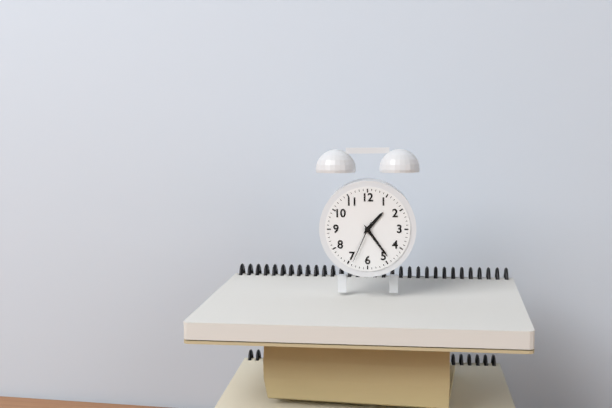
1h24
